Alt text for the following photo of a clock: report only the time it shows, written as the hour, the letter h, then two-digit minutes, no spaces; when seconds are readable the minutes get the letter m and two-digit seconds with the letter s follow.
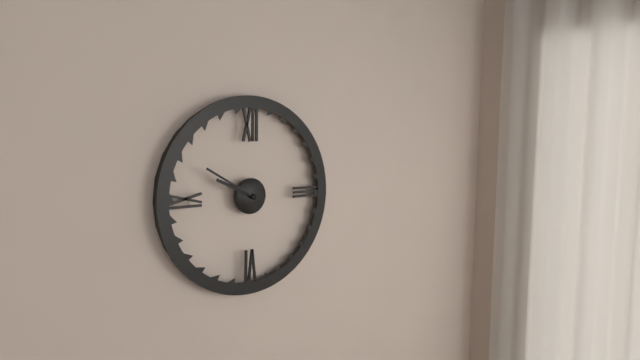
9h50
